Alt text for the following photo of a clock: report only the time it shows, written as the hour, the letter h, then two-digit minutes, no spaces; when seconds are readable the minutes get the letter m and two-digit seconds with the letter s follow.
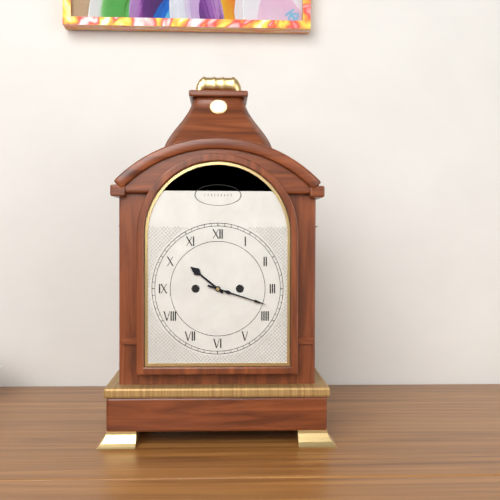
10h18
